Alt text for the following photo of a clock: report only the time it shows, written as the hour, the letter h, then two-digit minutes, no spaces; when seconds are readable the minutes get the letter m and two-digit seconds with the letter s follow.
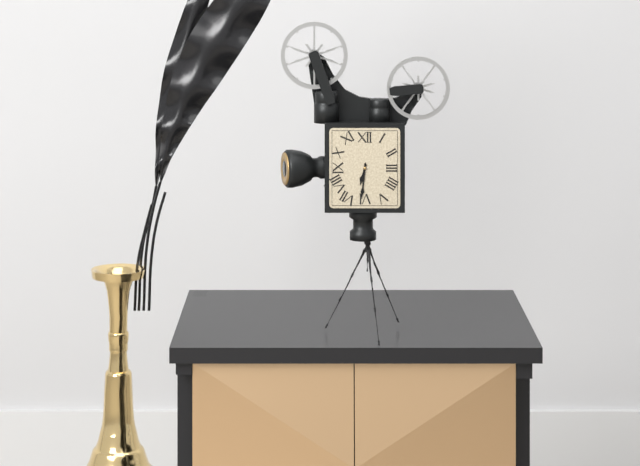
6h31
